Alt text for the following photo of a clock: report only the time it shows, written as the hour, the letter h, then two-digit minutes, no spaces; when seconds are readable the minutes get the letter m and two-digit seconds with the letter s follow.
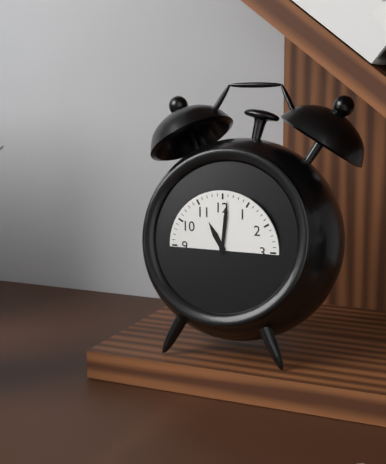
11h01
